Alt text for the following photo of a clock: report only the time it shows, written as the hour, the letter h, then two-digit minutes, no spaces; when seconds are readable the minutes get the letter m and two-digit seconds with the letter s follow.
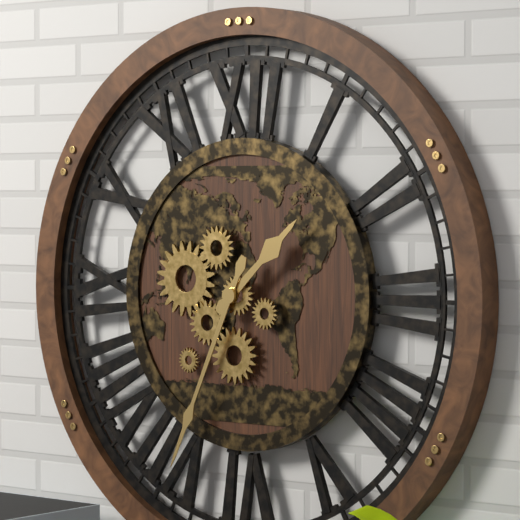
1h34
